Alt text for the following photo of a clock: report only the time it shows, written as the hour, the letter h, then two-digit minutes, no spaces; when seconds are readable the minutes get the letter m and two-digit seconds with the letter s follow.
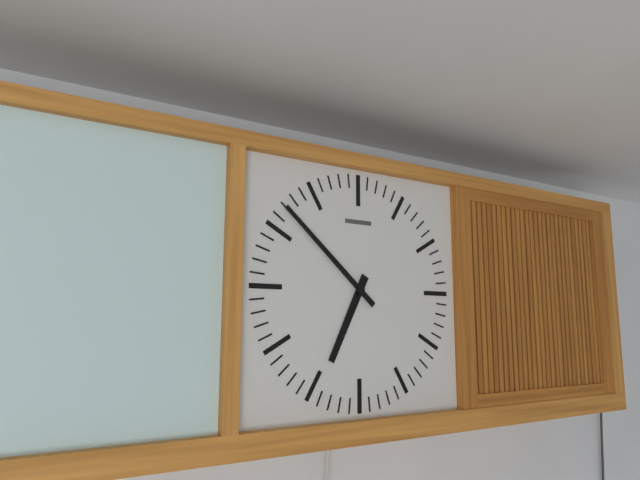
6h52
